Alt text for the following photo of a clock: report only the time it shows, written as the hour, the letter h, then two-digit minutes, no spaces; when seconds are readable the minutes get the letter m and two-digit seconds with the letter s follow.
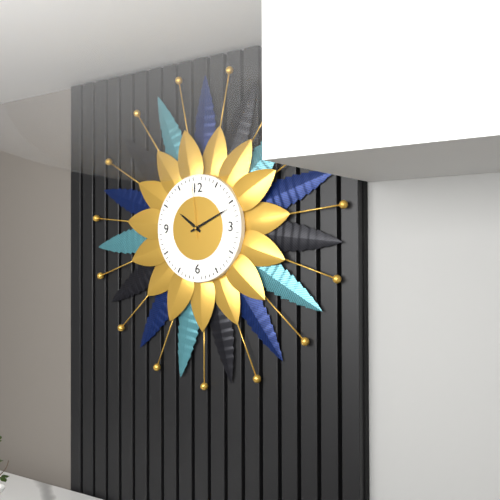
10h11m59s
